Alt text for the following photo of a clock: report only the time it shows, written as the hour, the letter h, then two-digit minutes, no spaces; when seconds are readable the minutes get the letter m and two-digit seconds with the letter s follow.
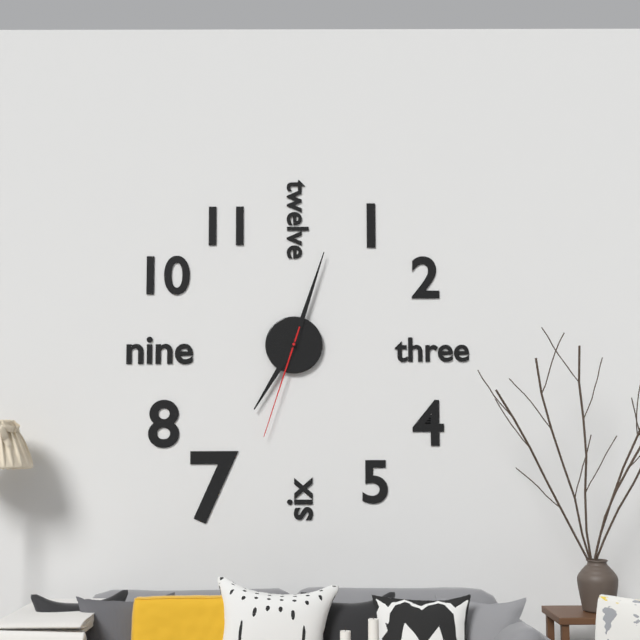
7h03m33s
